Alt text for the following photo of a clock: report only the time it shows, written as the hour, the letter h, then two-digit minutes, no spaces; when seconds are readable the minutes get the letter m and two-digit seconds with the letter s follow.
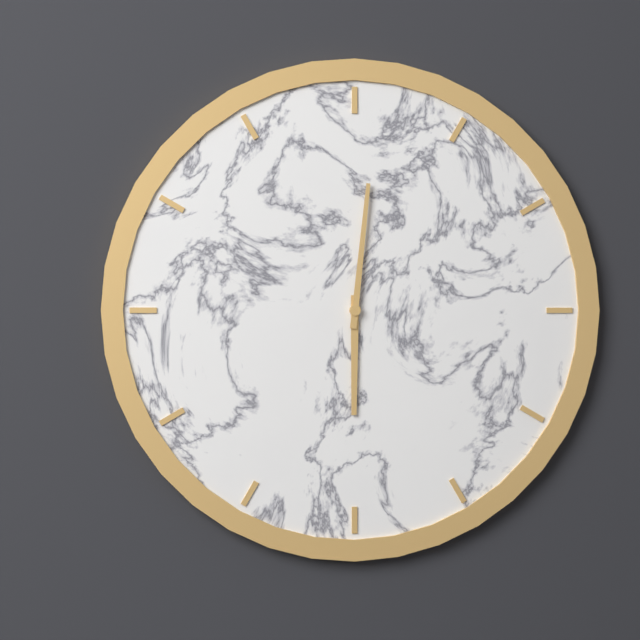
6h01
